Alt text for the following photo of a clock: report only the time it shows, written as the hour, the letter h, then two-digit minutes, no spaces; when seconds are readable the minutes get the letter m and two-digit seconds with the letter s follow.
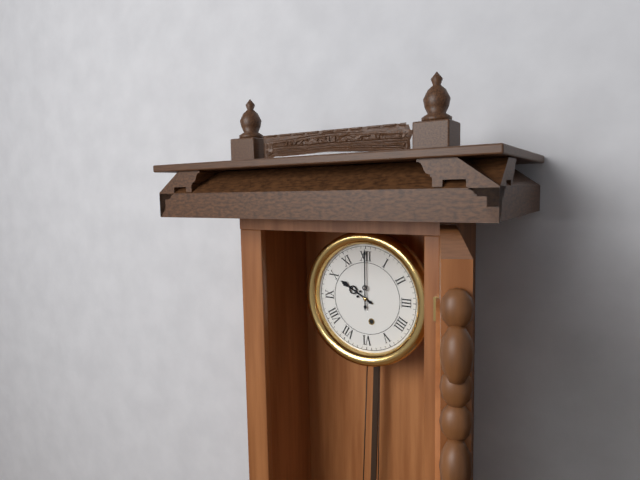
10h00
